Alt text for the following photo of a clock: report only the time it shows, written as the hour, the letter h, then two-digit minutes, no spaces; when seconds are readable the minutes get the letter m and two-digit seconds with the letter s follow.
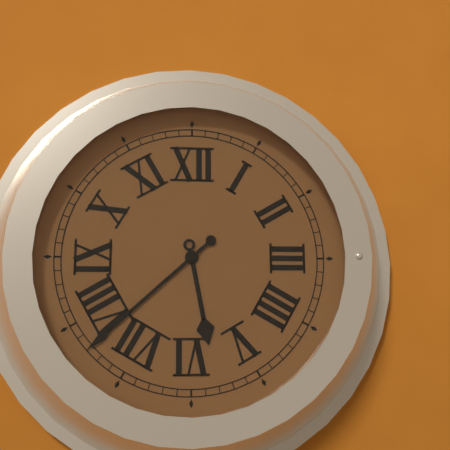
5h38
